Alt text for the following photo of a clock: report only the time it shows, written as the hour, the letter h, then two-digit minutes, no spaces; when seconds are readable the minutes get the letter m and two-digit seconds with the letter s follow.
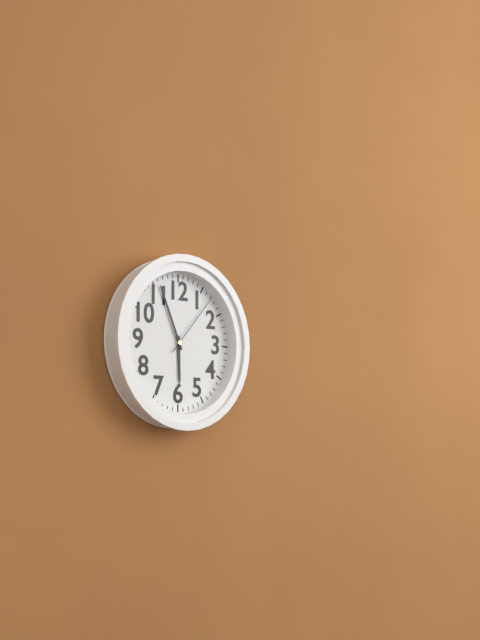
5h56m07s
